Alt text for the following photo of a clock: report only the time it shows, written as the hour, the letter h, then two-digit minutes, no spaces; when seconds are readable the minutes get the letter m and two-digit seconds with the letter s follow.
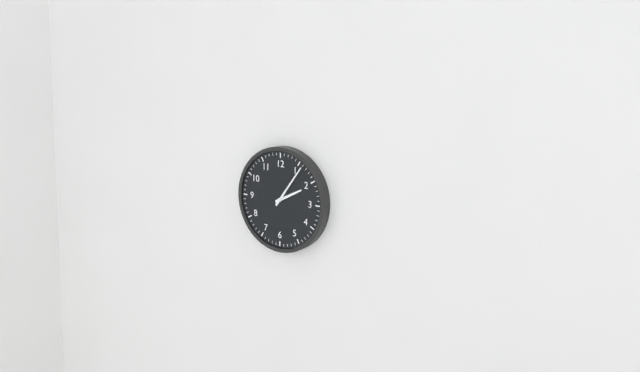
2h06
